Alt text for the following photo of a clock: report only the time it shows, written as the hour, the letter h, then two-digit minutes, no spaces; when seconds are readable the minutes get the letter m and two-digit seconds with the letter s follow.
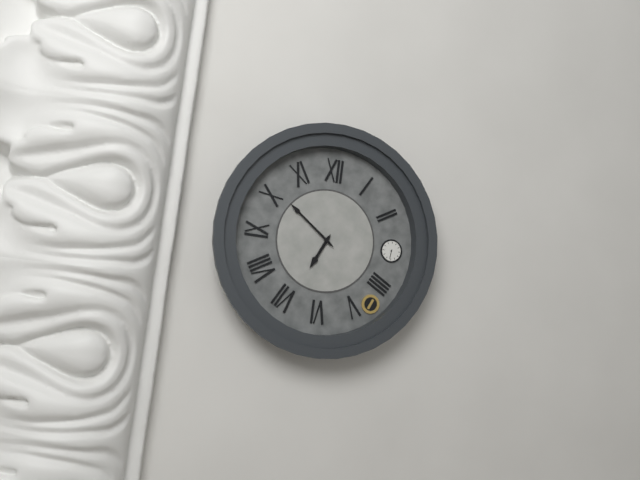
6h51
